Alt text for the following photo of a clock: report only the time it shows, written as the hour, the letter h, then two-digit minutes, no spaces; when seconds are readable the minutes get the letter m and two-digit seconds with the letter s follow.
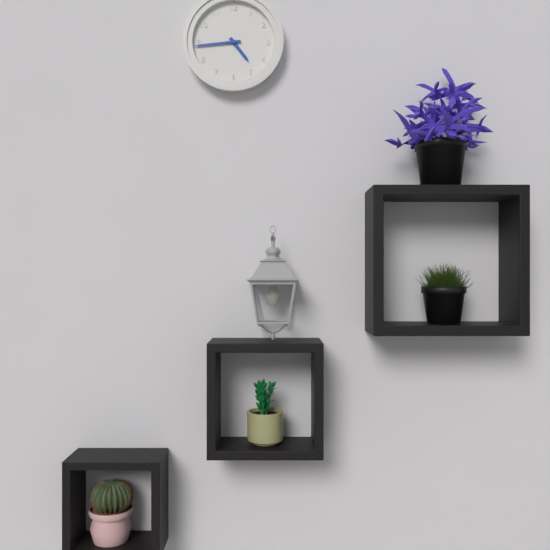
4h44
